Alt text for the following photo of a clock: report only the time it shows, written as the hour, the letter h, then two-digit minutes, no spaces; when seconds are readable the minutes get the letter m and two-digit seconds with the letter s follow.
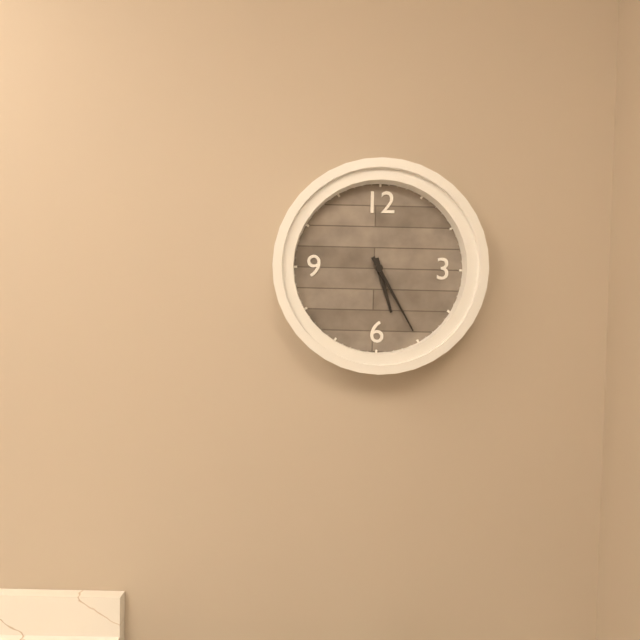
5h25
